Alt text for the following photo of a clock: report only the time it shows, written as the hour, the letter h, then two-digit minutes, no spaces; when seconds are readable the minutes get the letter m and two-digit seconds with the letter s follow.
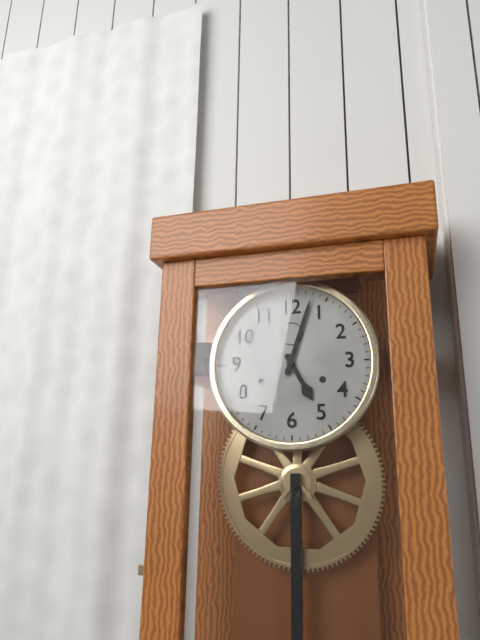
5h03
